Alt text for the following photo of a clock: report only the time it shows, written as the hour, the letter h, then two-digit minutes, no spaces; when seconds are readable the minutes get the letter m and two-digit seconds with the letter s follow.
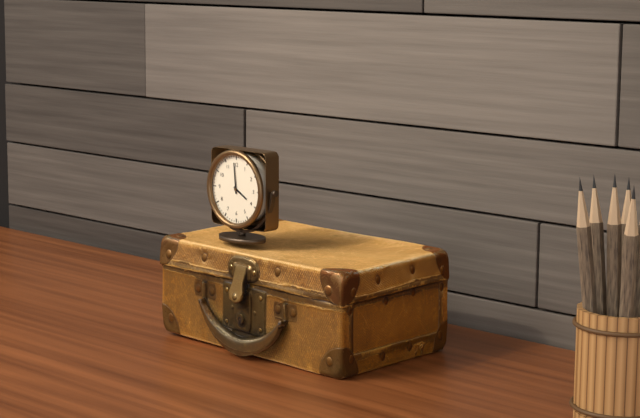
3h59
